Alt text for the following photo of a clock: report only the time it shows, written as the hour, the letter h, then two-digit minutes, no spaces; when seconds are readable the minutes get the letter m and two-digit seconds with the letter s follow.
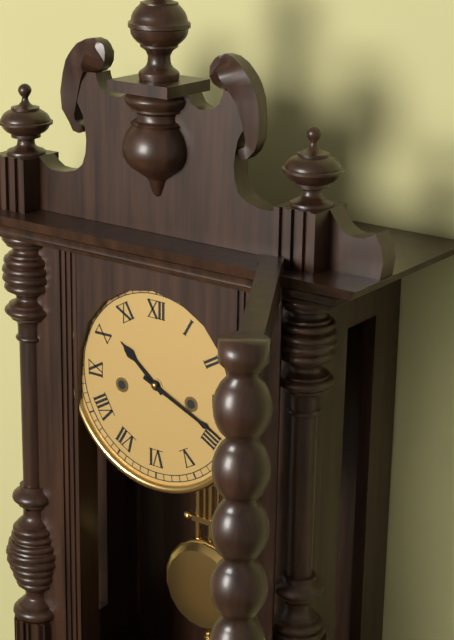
10h19
